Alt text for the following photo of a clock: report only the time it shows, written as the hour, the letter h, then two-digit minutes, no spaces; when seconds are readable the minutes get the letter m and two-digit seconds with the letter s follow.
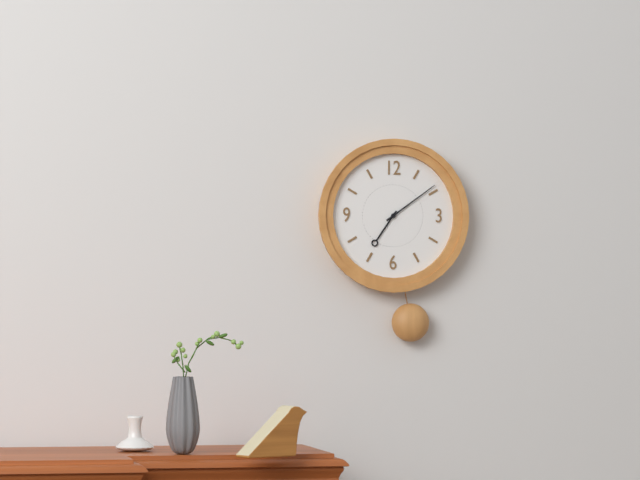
7h09
